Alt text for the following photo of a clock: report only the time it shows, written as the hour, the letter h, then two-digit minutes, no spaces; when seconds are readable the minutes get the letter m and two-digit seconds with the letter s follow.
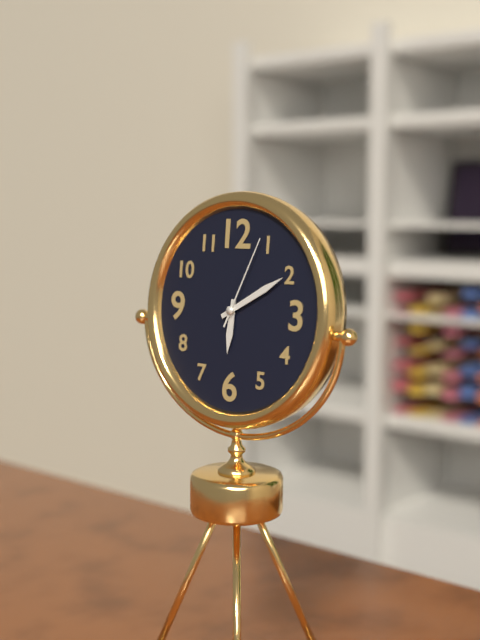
6h10m04s
